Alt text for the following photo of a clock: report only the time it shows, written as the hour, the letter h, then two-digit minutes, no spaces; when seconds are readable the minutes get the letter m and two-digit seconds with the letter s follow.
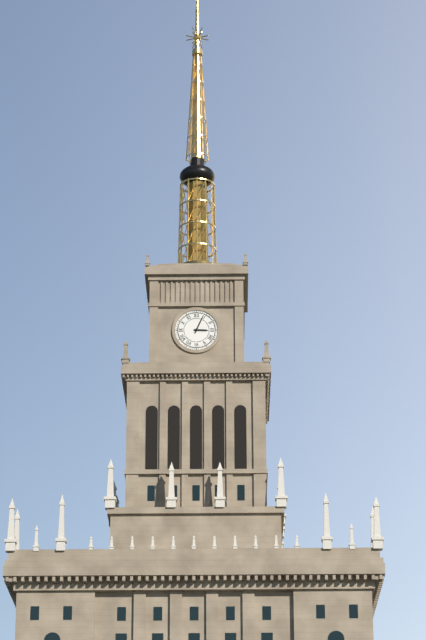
3h04
